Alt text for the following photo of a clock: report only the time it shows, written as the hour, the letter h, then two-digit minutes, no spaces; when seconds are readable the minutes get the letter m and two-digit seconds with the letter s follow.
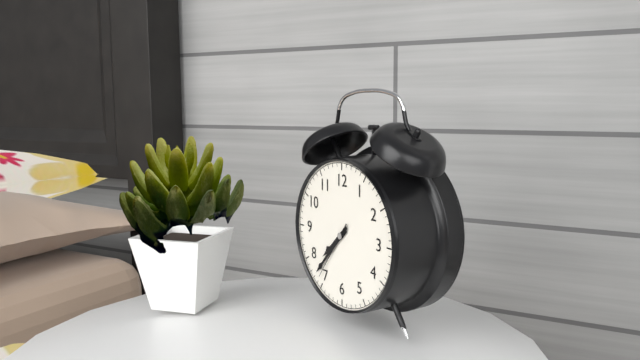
7h37m36s
